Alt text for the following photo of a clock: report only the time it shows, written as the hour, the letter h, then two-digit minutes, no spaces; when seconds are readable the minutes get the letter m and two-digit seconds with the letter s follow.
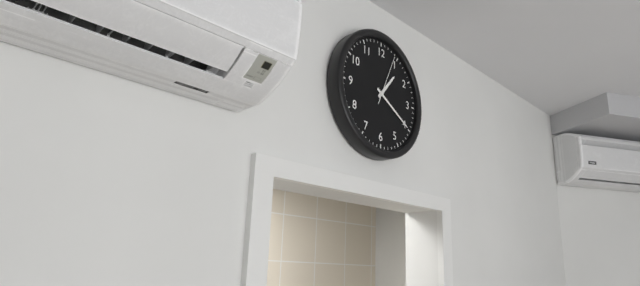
1h20m04s
